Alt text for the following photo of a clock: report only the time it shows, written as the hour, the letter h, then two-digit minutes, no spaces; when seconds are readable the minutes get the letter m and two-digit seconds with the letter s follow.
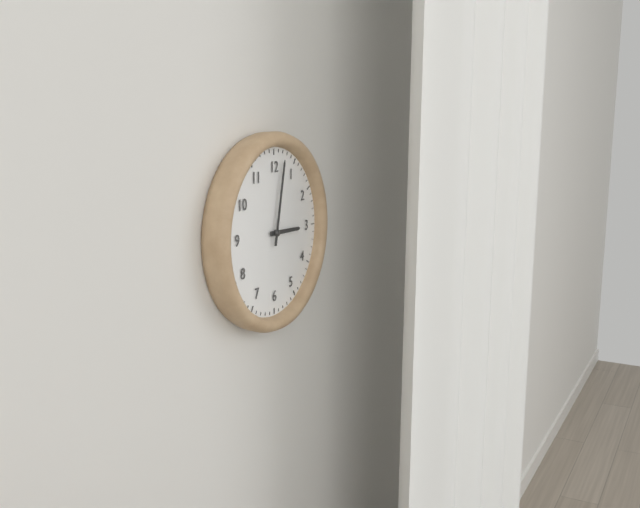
3h02
